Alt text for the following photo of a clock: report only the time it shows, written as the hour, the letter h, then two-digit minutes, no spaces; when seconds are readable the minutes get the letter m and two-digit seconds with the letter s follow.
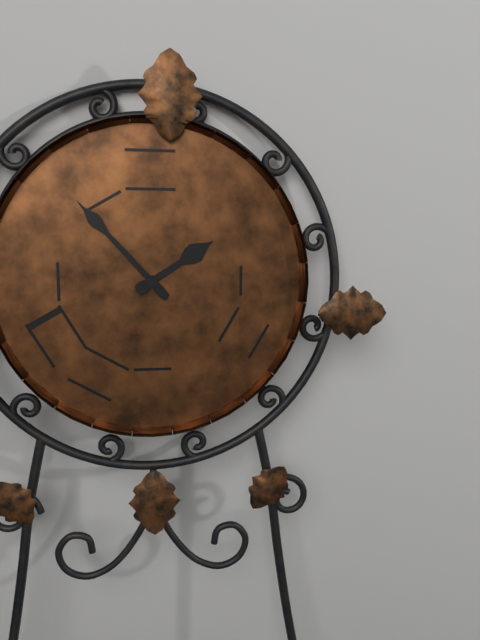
1h53
